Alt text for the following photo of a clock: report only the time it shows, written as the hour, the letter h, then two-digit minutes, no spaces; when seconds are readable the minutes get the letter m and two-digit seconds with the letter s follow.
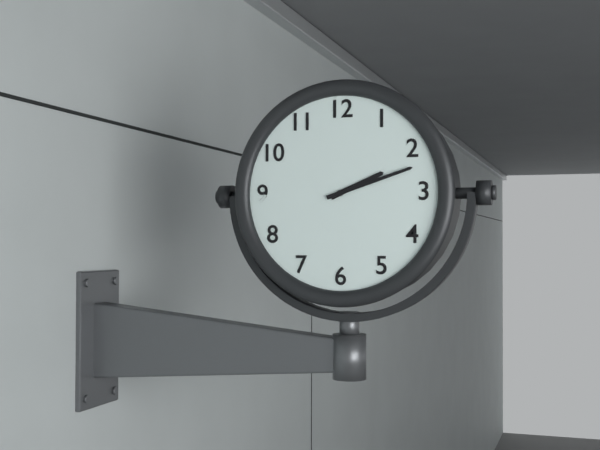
2h12
